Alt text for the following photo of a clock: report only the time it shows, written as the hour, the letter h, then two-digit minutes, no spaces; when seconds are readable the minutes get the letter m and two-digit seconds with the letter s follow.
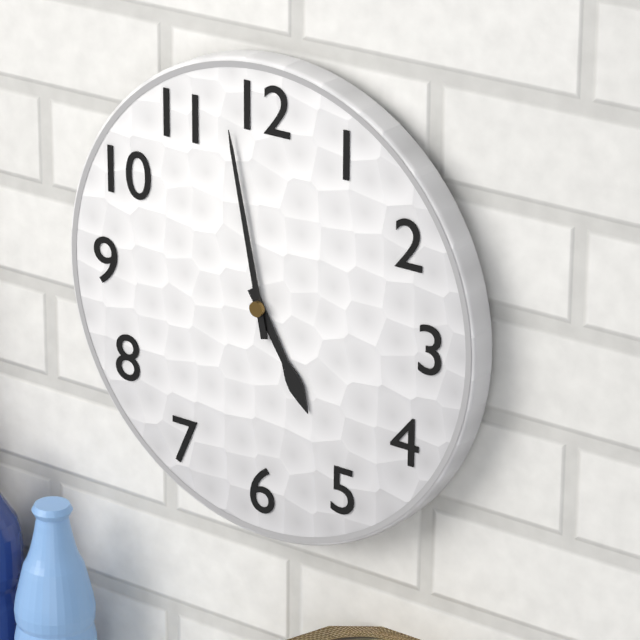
4h58
